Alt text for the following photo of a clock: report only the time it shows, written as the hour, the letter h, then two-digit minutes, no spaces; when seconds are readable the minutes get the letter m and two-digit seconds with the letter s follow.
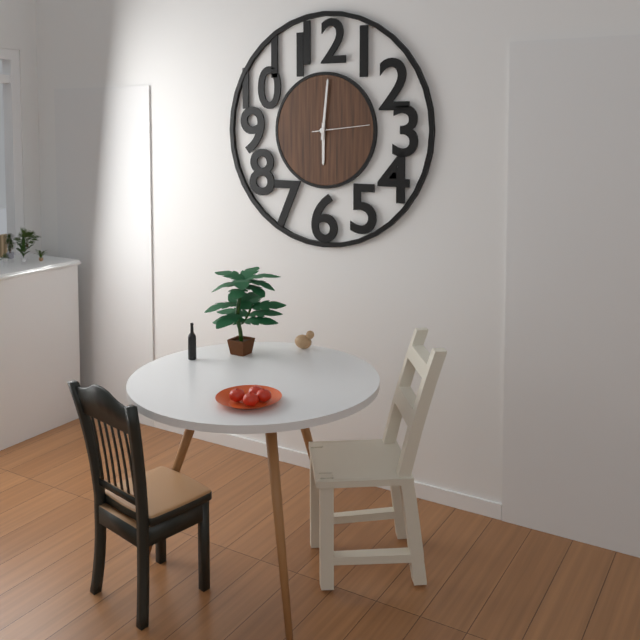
6h01m14s
